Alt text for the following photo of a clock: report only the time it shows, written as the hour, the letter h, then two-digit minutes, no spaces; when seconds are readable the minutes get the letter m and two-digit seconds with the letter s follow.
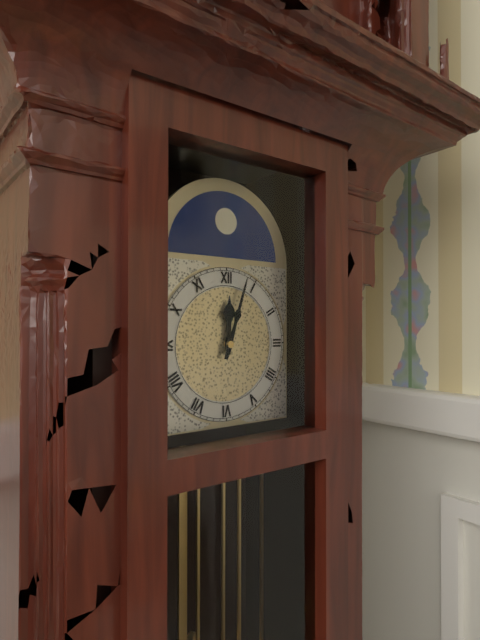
12h03
